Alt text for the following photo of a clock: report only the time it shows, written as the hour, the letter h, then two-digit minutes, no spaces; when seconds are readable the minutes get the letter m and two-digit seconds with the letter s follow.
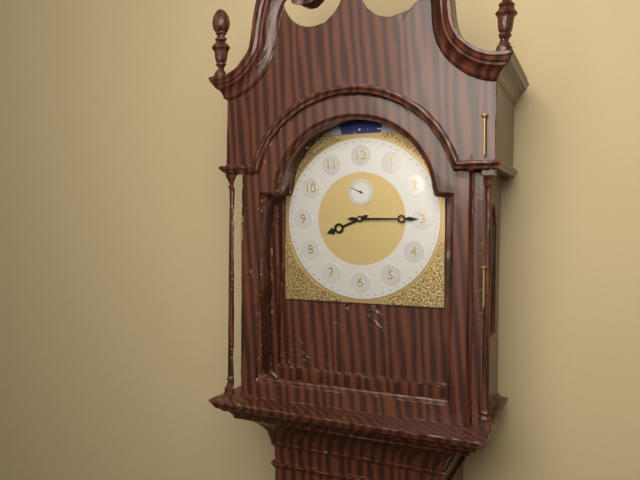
8h15
